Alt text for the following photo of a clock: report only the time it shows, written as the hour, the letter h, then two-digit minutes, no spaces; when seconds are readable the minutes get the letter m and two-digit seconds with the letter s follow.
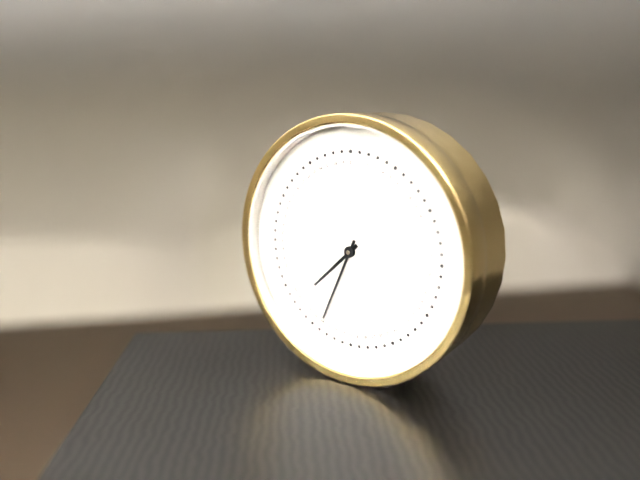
7h34
